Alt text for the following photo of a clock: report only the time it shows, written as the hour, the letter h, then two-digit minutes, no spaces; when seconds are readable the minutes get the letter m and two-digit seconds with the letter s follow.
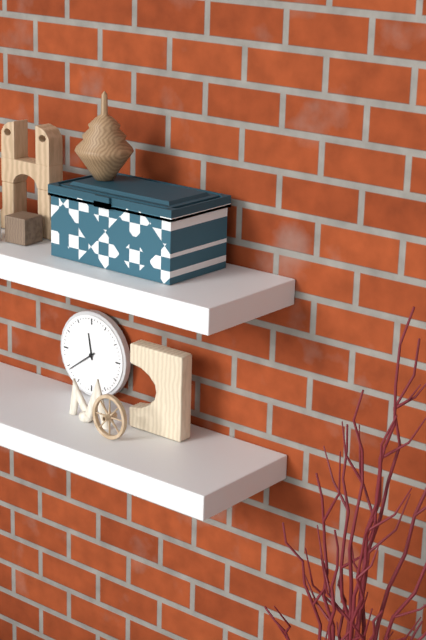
11h39
